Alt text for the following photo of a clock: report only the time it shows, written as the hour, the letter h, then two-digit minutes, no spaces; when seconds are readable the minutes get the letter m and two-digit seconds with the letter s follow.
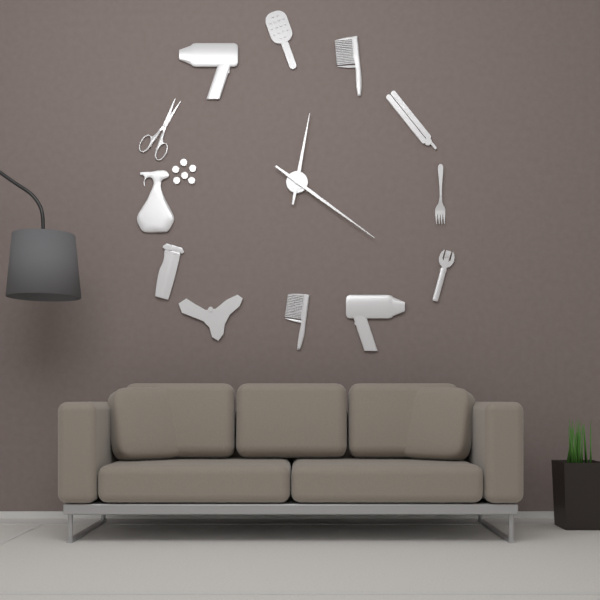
12h21
